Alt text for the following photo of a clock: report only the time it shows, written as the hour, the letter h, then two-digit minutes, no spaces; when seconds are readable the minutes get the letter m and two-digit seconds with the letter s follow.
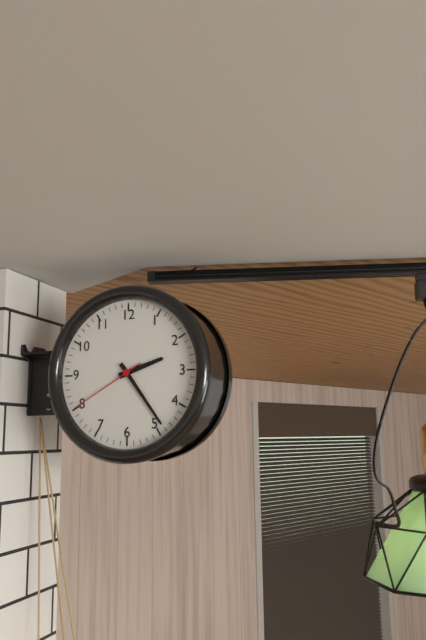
2h24m40s
